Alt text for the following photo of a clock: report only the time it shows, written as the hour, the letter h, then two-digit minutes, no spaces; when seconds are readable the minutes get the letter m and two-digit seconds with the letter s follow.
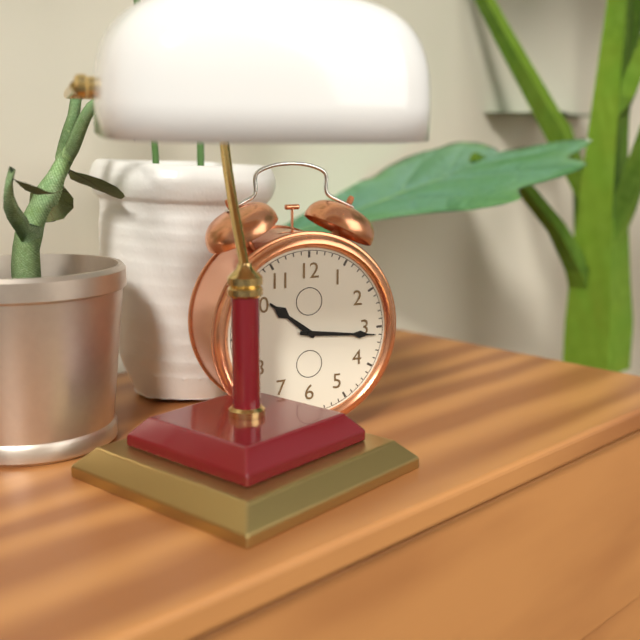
10h16
